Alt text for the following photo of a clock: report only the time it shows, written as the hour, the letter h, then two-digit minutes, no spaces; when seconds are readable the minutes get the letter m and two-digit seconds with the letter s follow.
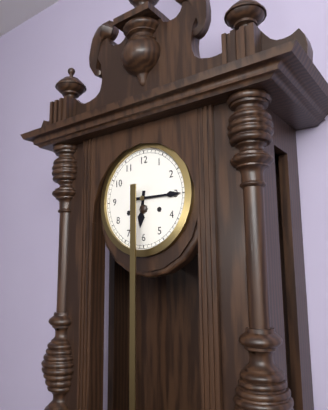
6h15
